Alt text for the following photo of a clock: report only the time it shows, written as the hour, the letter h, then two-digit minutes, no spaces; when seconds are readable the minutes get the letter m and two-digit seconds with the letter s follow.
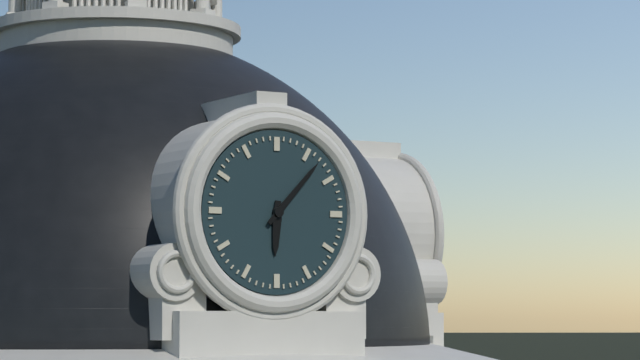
6h07
